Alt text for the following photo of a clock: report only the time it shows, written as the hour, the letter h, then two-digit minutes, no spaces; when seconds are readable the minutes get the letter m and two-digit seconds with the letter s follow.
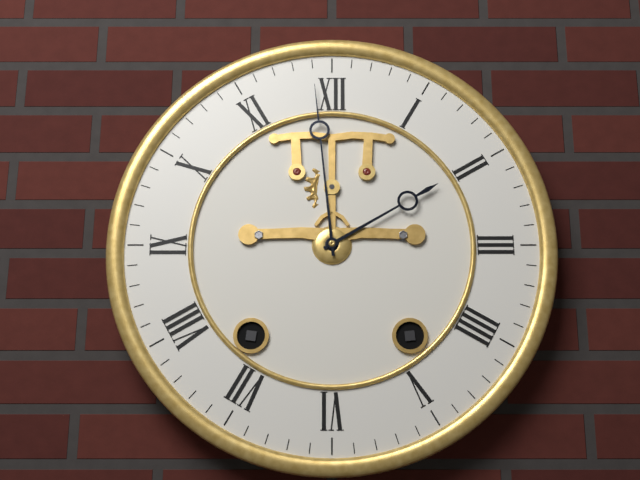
1h59
